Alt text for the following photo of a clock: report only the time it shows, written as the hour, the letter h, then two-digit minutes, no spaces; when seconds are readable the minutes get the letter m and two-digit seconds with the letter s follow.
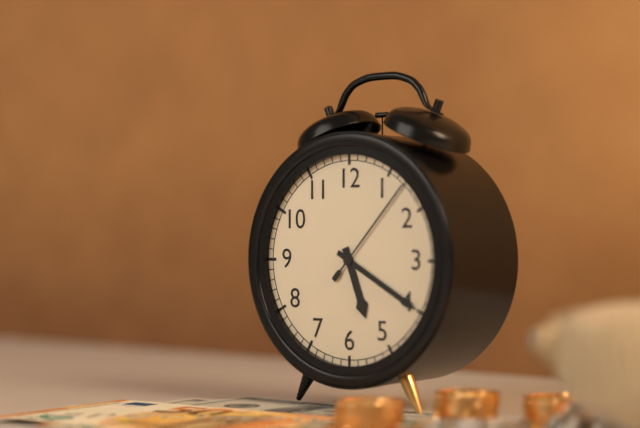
5h20m07s
